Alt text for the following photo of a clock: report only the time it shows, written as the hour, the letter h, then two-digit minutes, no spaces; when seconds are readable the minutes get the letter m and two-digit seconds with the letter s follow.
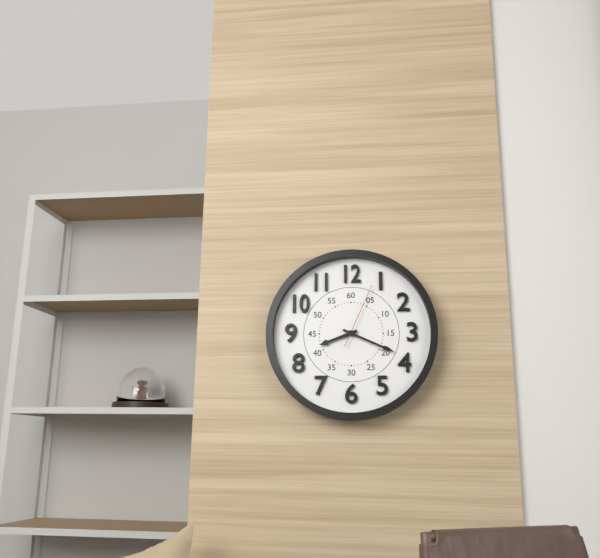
8h19m04s
